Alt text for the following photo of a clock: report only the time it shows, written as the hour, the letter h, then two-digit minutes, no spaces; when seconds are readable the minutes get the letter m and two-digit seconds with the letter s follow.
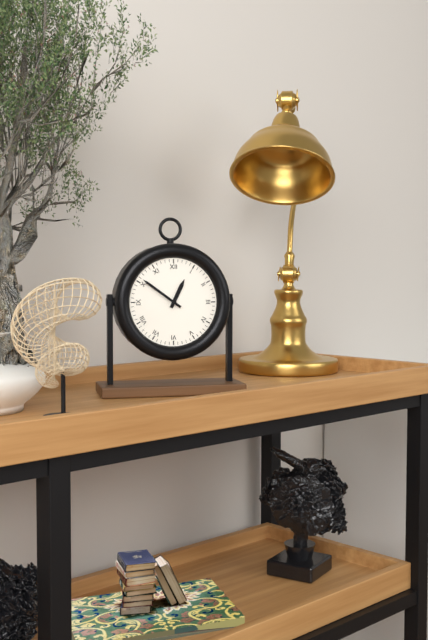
12h51
